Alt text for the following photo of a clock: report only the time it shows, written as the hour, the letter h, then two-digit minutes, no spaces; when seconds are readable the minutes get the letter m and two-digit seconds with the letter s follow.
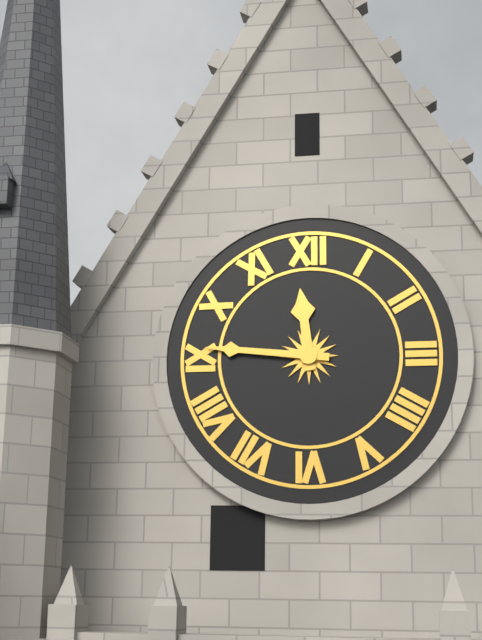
11h46
